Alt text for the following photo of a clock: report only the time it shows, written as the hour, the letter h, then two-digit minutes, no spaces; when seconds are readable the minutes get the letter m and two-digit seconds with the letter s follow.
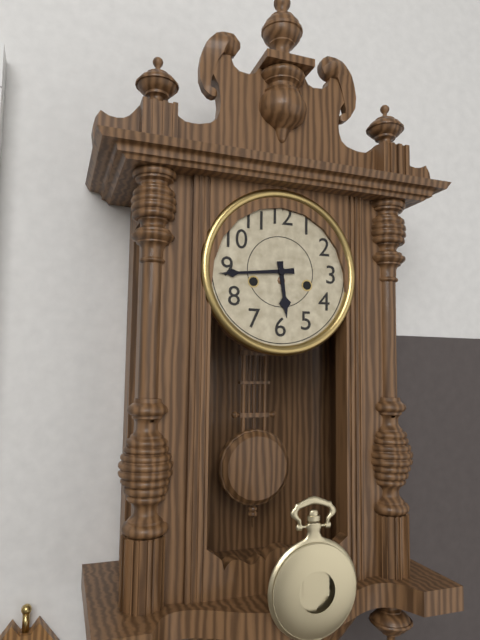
5h44
